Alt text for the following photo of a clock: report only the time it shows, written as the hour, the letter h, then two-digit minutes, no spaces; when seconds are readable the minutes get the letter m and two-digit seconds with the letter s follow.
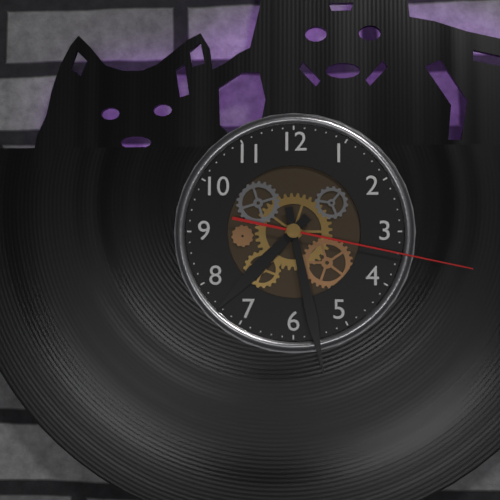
7h28m17s
